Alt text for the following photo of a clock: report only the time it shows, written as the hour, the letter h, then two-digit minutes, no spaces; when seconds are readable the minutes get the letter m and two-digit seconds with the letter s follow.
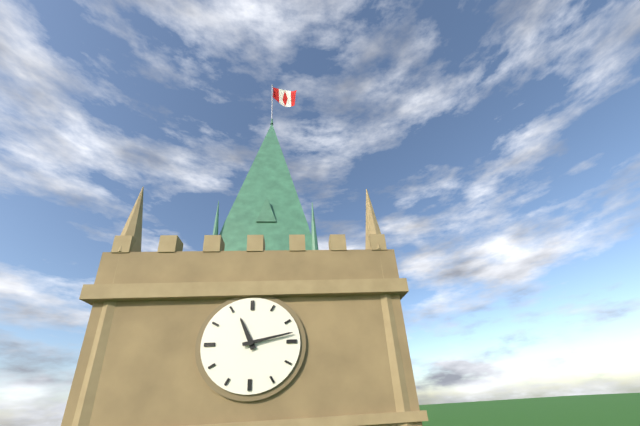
11h13
